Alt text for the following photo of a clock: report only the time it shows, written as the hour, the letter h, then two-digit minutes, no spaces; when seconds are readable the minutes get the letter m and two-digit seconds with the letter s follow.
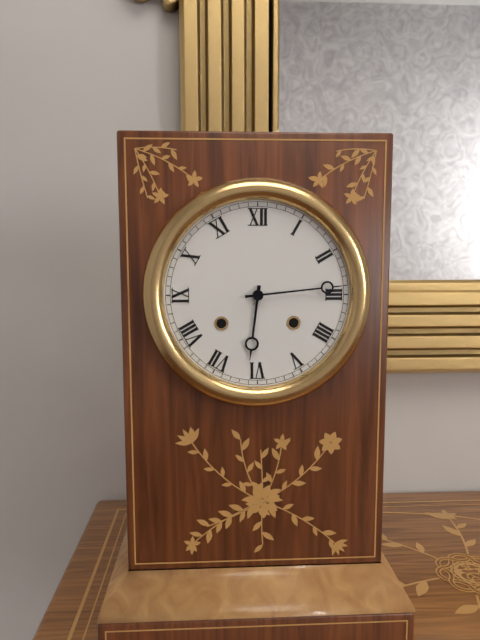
6h14
